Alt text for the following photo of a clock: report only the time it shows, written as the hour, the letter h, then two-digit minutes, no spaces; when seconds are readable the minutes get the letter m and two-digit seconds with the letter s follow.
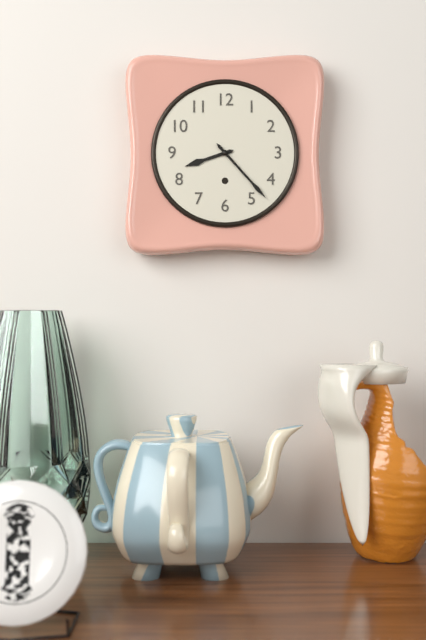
8h23
